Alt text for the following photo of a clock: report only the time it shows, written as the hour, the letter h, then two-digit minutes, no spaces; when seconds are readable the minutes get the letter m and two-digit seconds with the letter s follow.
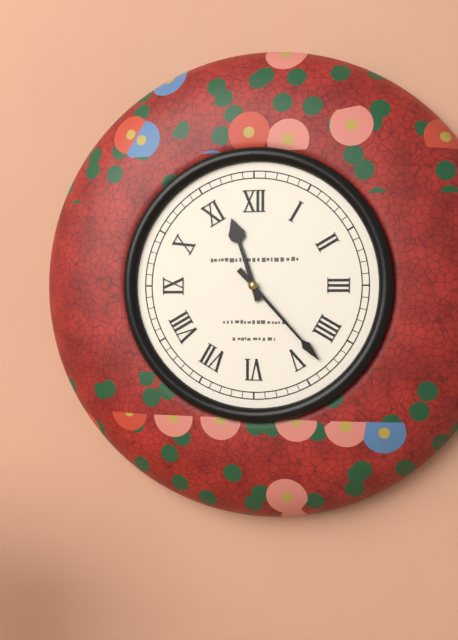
11h23
